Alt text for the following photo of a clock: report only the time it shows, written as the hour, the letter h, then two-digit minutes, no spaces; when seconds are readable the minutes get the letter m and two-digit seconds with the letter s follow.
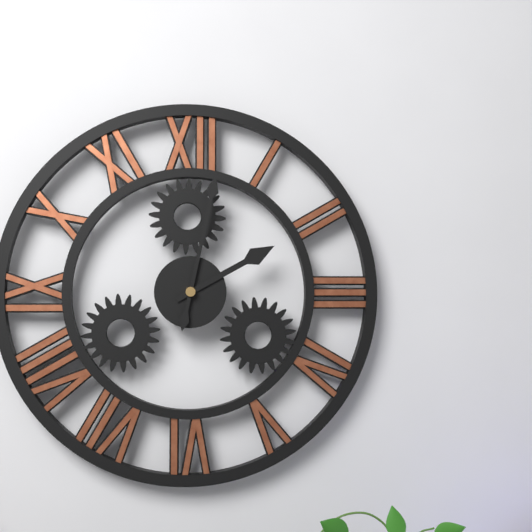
2h02
